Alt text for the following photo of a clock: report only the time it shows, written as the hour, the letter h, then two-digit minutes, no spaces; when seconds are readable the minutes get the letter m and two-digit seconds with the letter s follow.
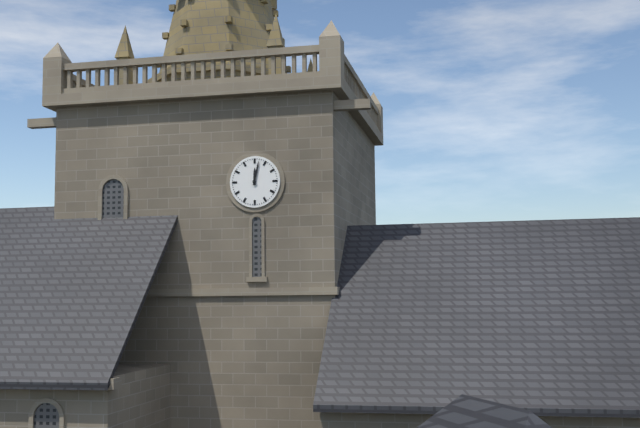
12h02
